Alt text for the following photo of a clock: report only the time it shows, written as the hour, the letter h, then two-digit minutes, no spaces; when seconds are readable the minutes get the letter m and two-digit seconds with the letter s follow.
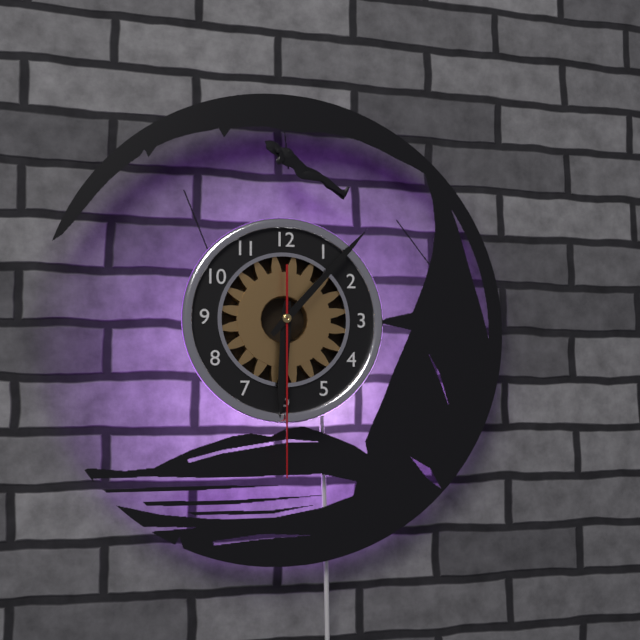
6h07m30s
